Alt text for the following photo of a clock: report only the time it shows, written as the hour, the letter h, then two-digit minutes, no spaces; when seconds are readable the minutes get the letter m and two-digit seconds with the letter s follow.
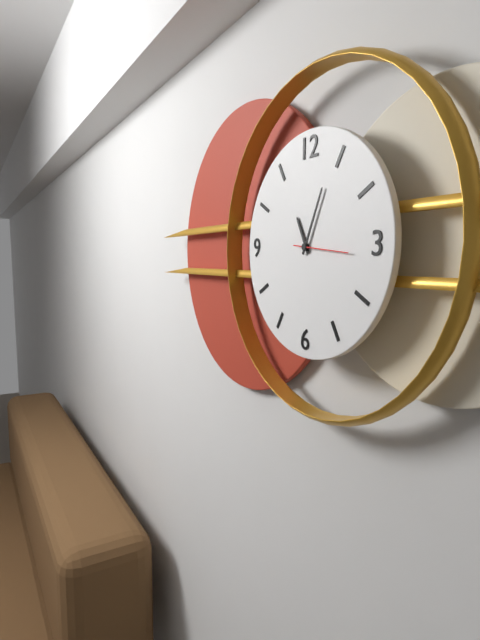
11h04m16s
